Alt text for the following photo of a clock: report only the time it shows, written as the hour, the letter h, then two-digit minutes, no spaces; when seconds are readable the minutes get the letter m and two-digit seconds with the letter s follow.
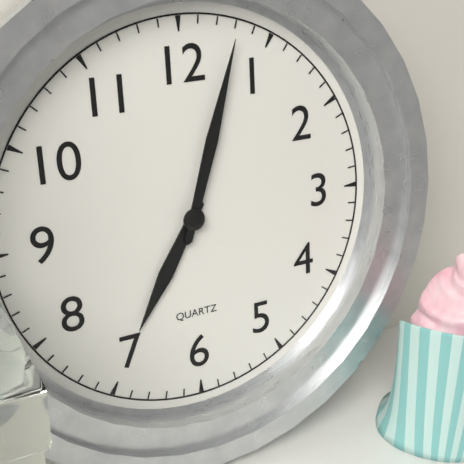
7h03
